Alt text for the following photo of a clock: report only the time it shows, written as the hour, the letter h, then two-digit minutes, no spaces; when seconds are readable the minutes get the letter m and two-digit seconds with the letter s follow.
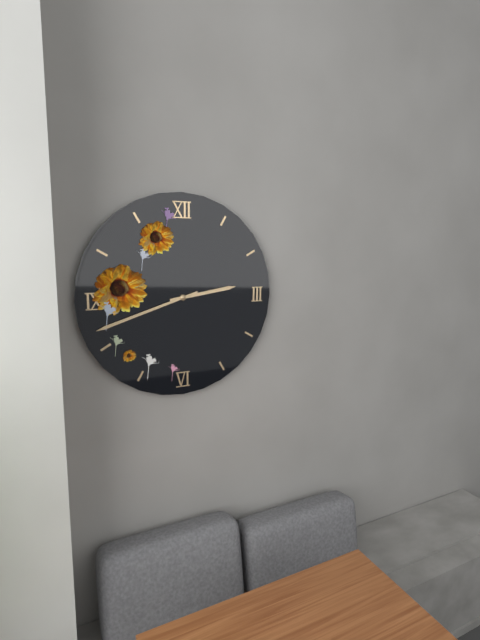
2h42
